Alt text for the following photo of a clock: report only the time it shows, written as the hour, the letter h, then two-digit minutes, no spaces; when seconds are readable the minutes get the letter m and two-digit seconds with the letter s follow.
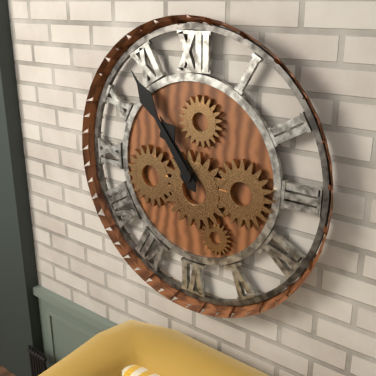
10h54
